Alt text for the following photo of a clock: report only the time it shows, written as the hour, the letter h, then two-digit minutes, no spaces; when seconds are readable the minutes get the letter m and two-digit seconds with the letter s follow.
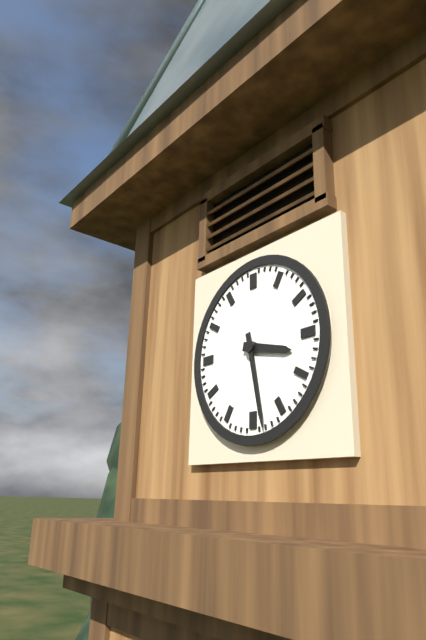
3h28
